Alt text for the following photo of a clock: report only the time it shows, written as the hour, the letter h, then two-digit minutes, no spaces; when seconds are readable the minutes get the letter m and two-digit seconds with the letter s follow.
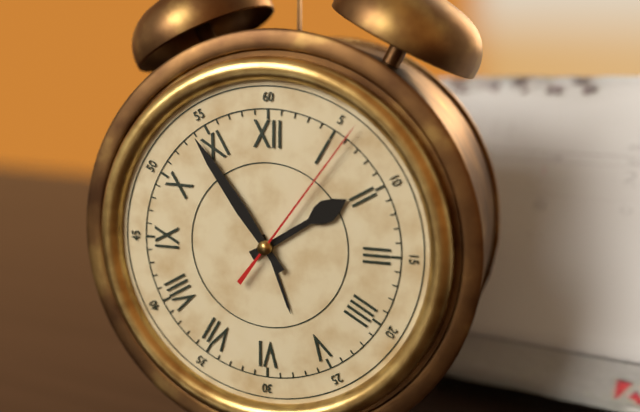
1h54m06s
